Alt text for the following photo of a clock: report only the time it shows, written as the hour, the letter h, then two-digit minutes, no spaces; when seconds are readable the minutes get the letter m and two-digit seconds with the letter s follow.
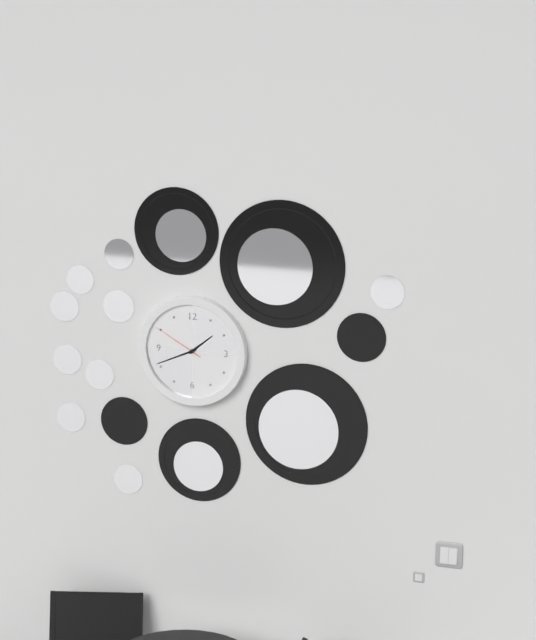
1h41m50s
